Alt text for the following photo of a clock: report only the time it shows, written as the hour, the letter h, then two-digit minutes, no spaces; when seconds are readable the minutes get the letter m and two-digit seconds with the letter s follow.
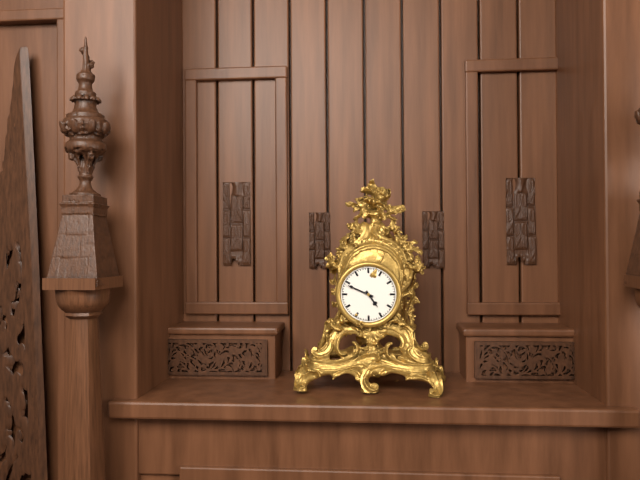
4h49
